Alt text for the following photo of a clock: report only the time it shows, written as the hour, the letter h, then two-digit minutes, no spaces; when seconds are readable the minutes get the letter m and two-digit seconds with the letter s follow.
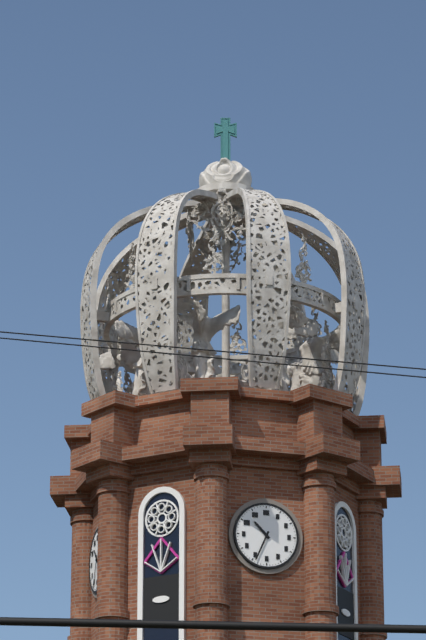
10h34
